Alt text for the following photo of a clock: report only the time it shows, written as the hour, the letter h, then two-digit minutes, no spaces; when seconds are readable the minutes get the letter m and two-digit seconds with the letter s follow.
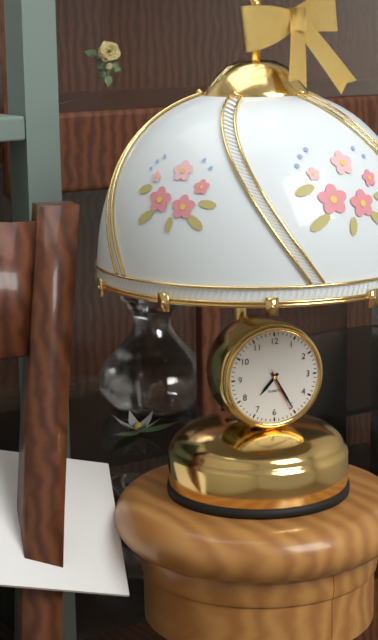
7h25
